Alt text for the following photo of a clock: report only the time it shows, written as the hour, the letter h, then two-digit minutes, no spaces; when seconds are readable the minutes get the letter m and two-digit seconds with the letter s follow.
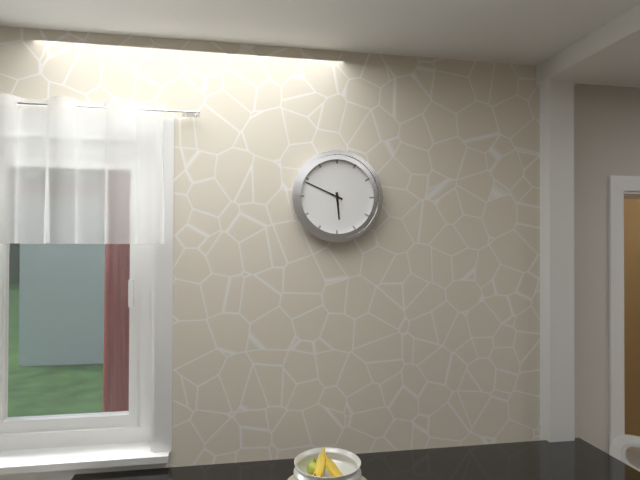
5h49
